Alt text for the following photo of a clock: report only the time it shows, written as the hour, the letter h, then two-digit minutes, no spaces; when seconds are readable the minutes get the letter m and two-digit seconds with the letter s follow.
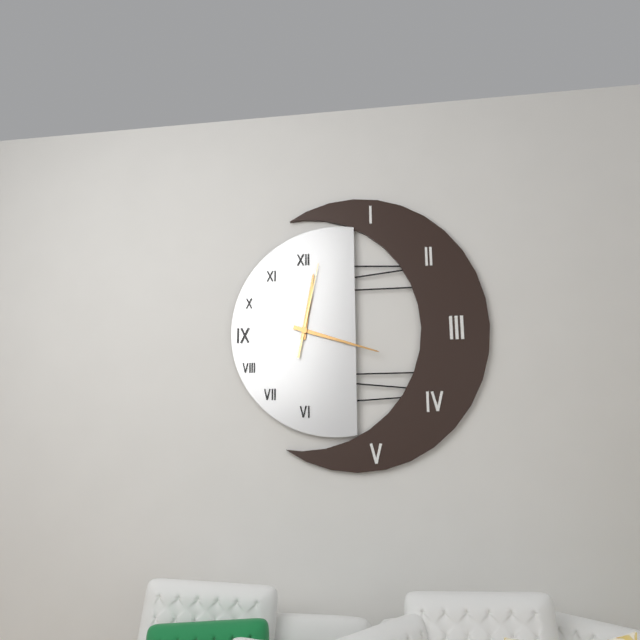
12h18m02s
